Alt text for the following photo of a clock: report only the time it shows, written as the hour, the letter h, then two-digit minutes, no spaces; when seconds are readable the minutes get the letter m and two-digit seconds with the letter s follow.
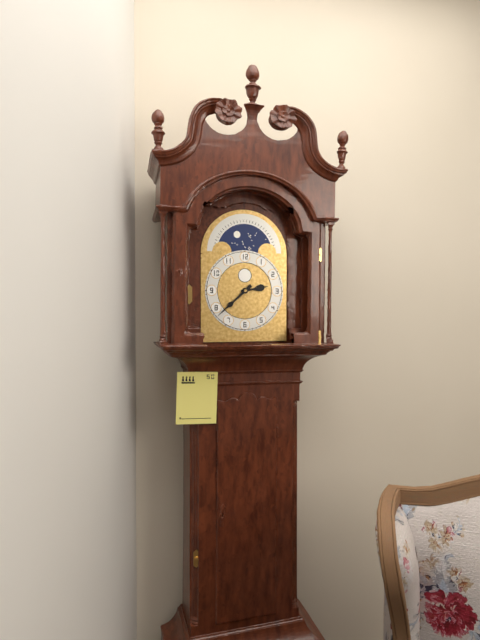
2h38
